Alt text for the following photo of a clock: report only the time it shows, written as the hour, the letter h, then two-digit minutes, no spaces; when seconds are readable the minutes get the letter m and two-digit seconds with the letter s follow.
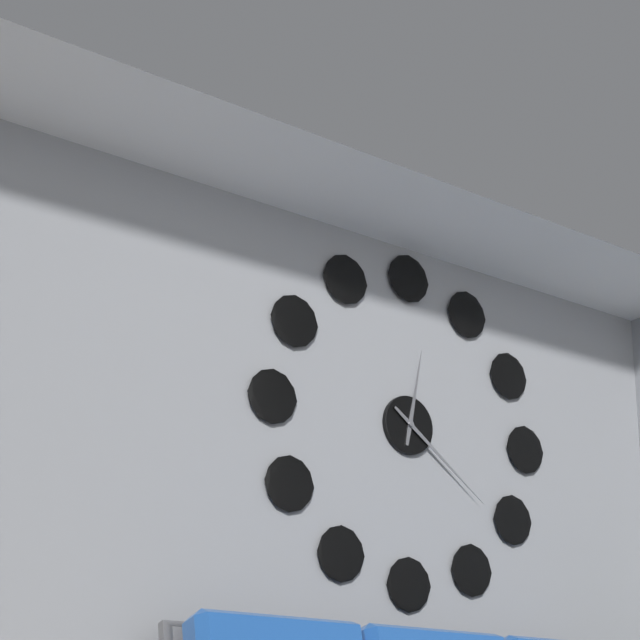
12h21
